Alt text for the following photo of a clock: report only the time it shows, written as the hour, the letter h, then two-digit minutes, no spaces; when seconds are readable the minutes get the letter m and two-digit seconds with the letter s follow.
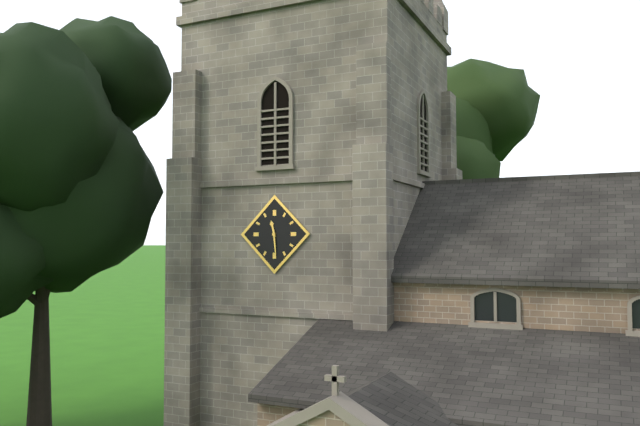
11h29
